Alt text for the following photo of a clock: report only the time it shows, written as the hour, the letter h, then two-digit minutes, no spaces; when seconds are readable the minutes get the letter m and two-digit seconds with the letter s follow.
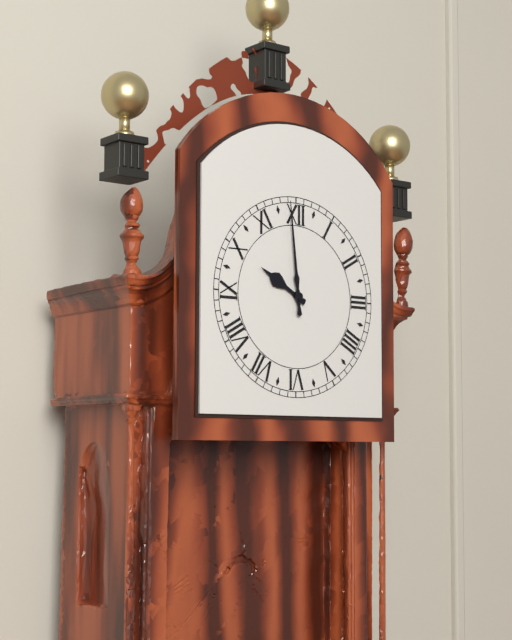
9h59
